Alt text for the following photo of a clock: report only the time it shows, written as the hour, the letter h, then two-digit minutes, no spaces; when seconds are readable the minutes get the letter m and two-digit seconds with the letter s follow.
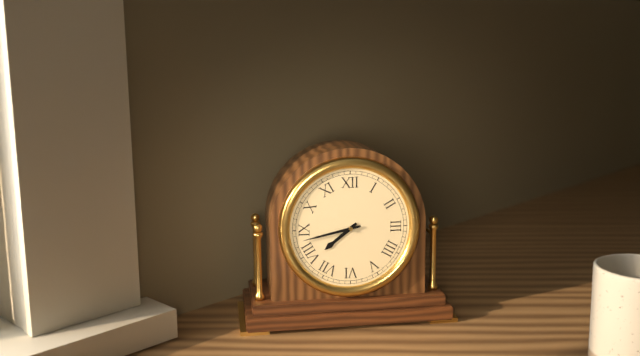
7h43
